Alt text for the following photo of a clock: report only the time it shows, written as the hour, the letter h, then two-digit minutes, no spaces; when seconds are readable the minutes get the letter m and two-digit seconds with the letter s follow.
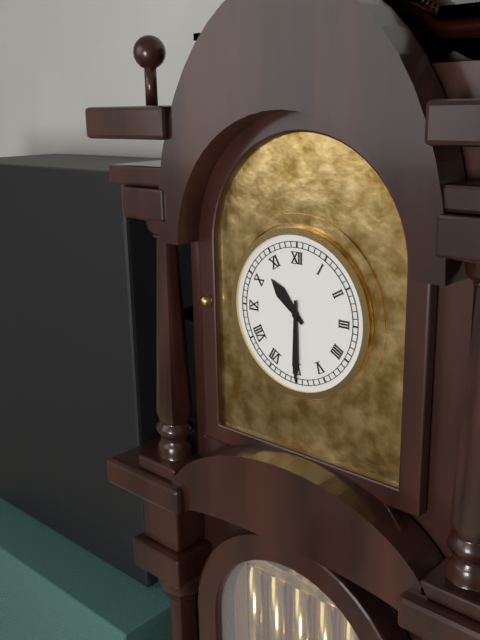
10h30
